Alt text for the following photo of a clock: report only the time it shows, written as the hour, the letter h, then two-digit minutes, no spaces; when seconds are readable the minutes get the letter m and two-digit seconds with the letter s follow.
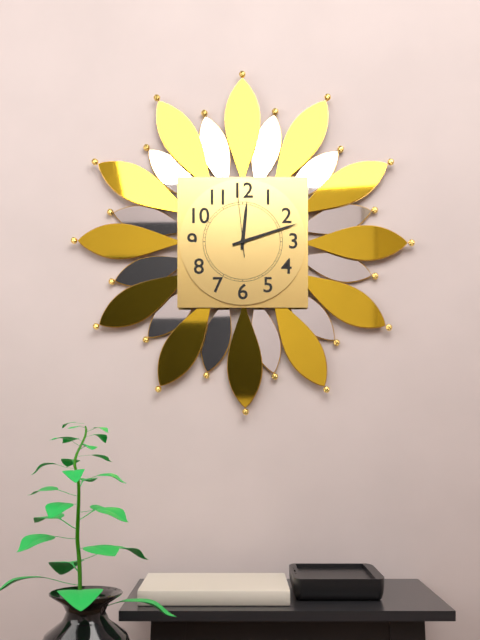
12h12m59s
